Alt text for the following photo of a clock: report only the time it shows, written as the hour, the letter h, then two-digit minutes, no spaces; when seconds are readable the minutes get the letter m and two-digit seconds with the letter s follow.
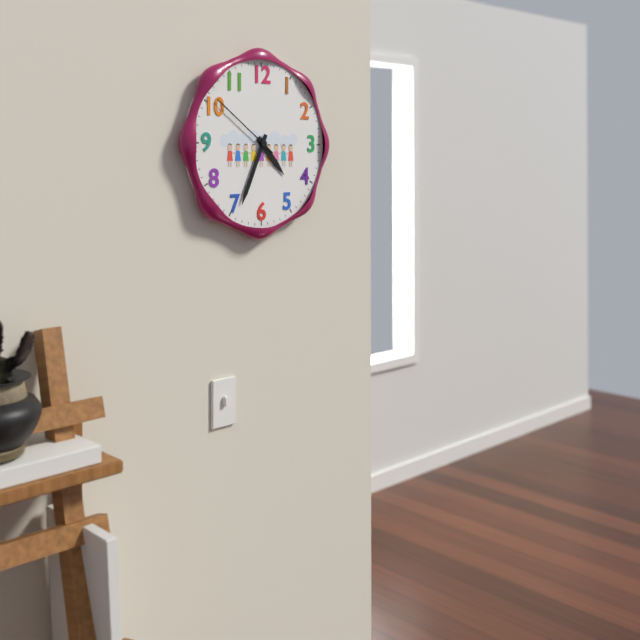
4h34m51s
